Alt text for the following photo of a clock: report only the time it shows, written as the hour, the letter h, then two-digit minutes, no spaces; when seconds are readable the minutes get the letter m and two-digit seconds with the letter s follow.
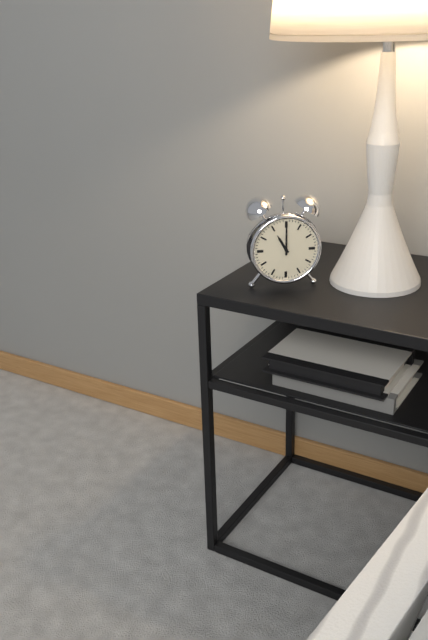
11h00
